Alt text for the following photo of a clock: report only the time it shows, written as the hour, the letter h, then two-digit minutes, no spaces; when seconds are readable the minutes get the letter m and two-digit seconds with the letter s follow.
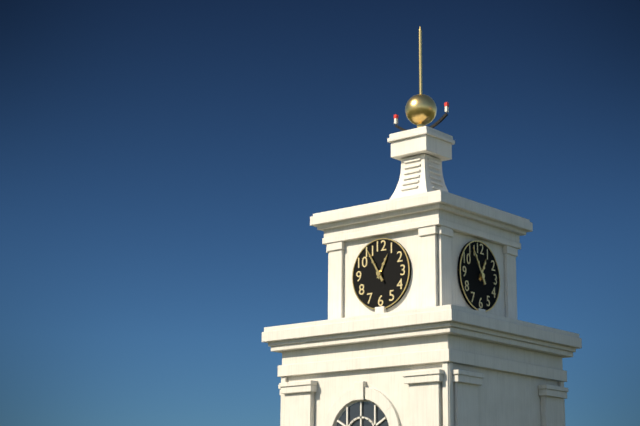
12h55
